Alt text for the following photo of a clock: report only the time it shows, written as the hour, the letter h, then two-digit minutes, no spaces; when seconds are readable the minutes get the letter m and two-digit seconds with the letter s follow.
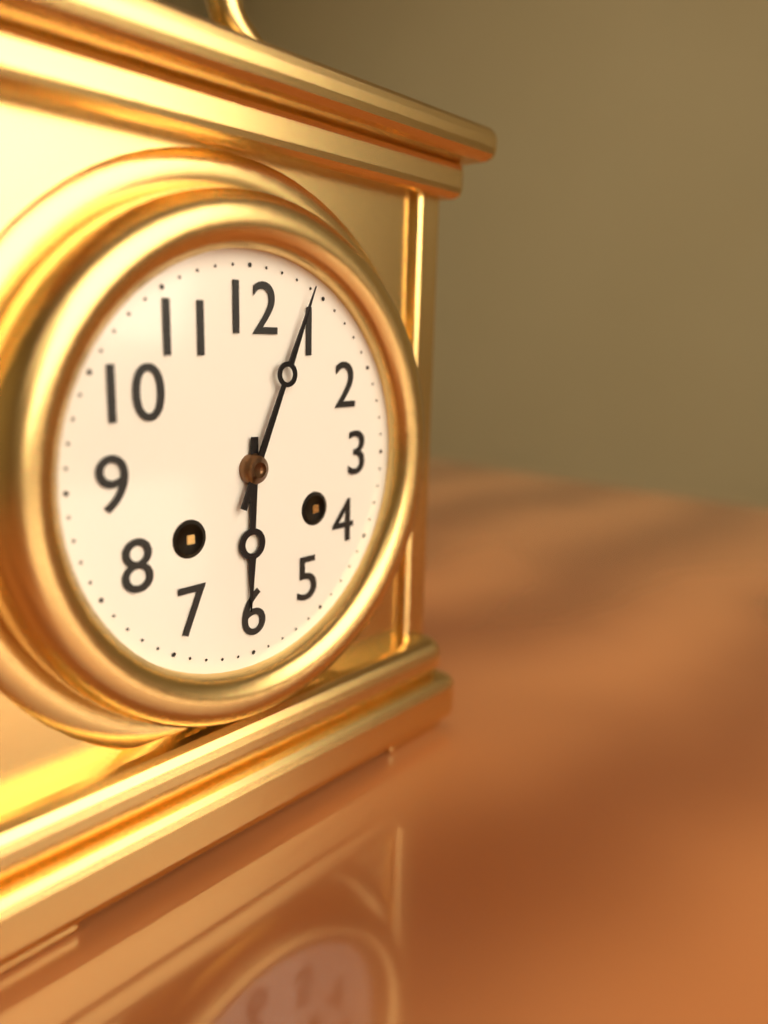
6h04
